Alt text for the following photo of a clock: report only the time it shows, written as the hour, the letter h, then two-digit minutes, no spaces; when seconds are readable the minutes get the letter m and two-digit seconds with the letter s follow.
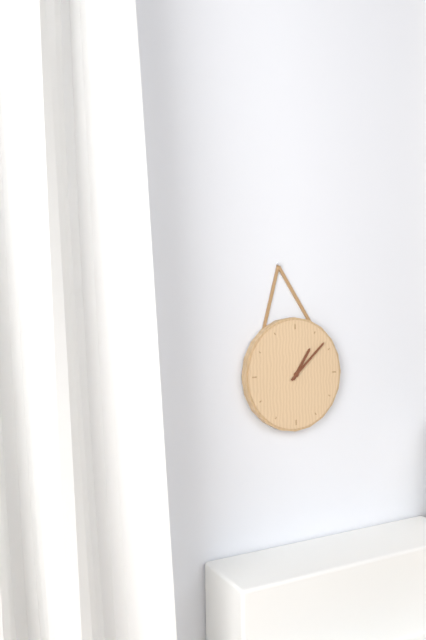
1h08
